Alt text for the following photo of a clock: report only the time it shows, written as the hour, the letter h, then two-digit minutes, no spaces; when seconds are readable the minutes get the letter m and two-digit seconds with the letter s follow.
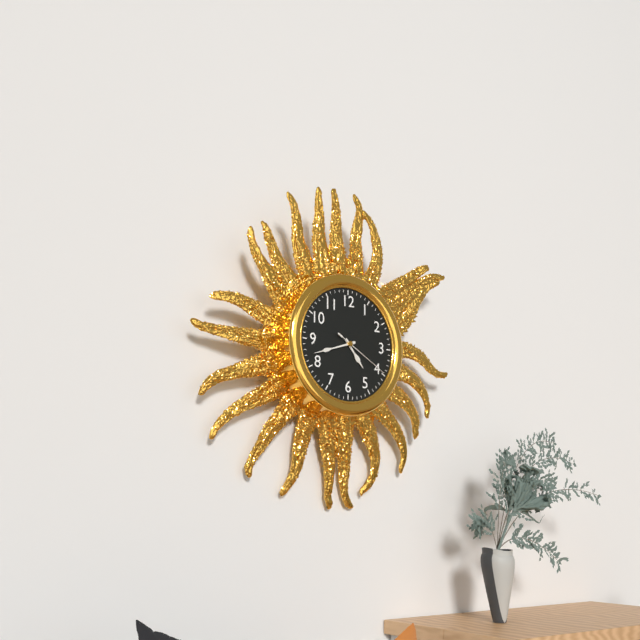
4h42m20s
